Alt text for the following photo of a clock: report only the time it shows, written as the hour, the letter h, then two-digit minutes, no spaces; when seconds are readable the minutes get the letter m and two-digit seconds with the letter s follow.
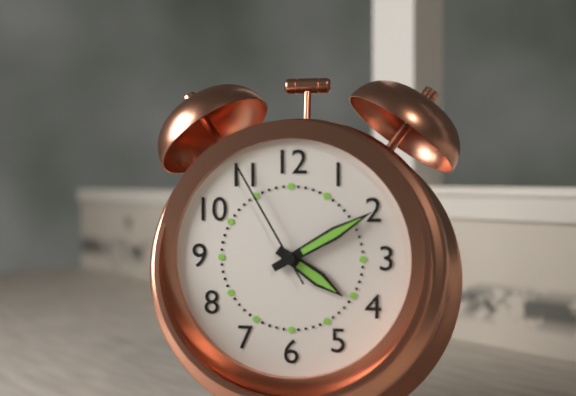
4h10m55s
